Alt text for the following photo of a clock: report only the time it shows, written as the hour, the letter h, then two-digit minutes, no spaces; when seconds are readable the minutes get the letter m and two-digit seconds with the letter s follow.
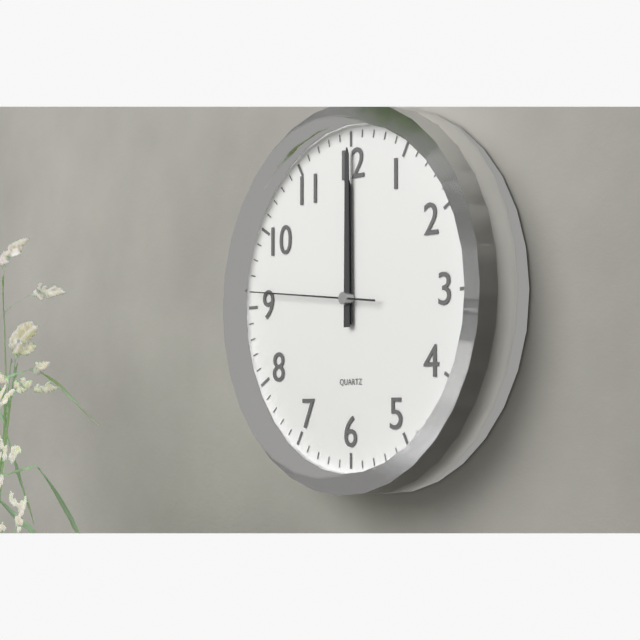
12h00m46s
